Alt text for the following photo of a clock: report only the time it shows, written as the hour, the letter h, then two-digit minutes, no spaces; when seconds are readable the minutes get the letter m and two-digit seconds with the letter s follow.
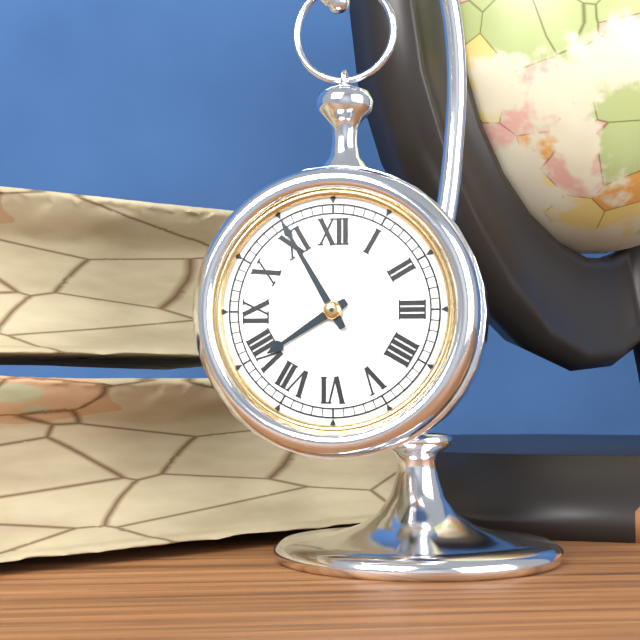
7h55
